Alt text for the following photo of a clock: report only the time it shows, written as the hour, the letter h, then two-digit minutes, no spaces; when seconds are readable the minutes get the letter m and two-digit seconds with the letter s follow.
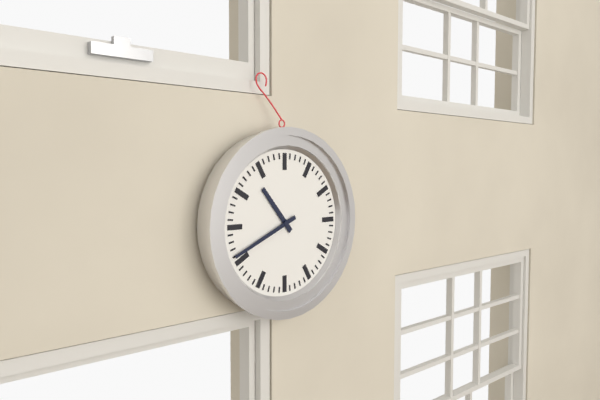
10h41
